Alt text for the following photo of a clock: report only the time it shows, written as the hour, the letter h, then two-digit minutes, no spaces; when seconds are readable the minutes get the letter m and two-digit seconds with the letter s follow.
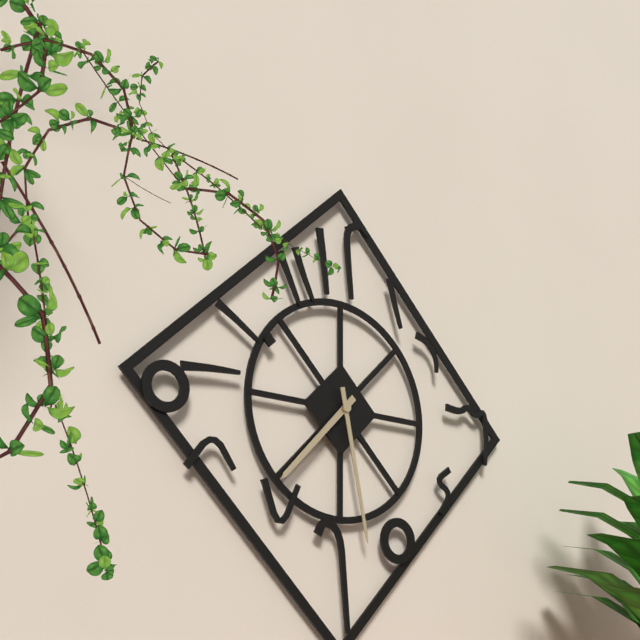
7h28
